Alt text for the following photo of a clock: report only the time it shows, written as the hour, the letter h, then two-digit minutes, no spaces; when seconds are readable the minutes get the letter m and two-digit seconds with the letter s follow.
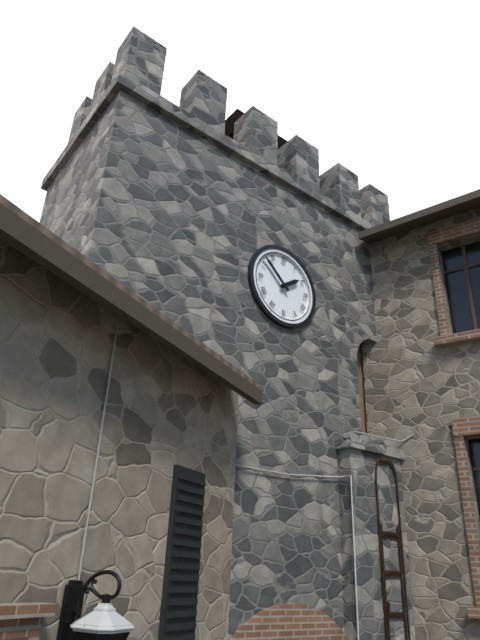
1h52
